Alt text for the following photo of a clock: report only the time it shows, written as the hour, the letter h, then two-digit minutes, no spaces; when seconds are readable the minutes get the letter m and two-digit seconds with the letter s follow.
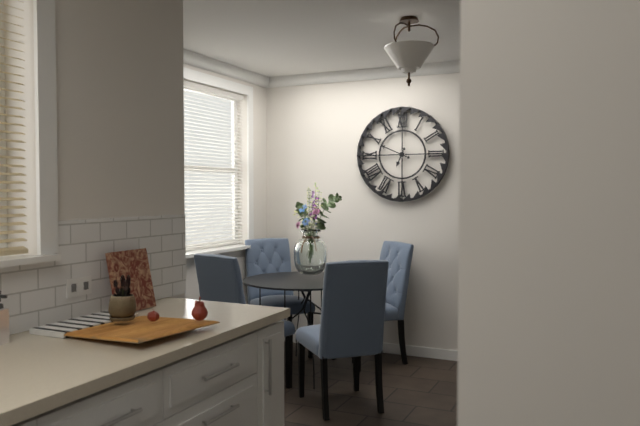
6h49
